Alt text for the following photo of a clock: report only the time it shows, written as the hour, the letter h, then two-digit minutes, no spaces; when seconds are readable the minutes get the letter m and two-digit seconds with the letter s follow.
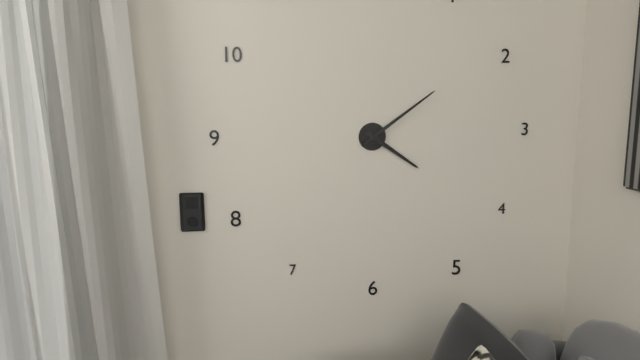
4h09
